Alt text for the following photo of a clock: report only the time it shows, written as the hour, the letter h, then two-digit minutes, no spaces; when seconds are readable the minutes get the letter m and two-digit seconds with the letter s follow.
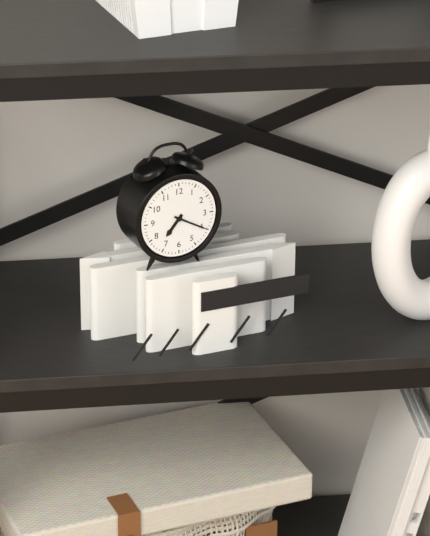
7h20
